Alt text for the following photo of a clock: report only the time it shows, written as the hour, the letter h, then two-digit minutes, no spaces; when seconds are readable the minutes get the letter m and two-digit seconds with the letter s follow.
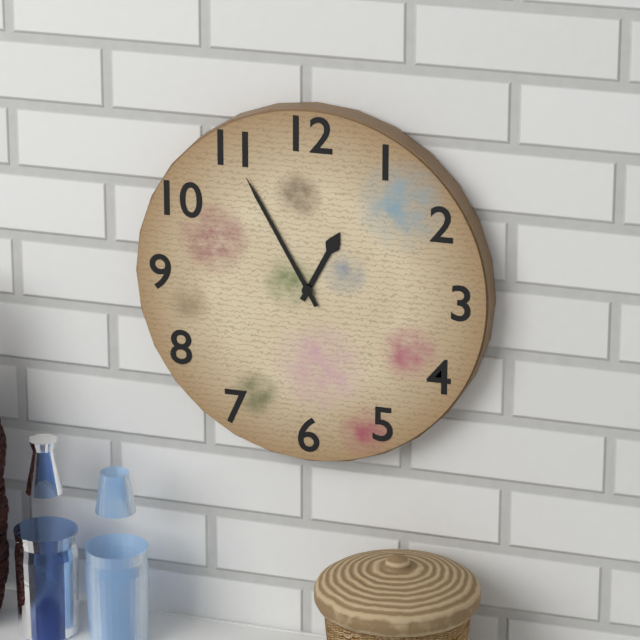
12h55
